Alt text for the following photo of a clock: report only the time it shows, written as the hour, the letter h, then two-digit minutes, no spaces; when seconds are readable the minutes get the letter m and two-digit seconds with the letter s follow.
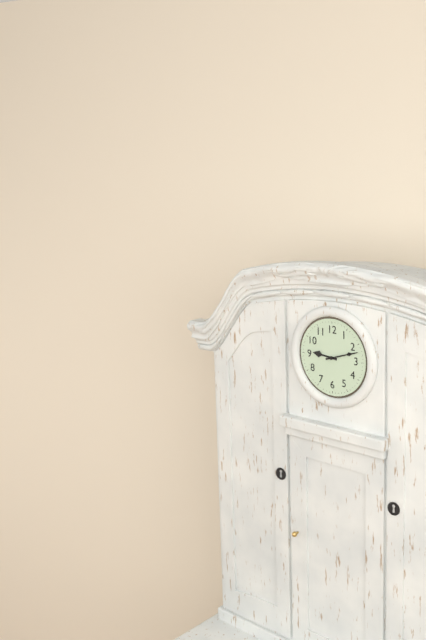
9h12
